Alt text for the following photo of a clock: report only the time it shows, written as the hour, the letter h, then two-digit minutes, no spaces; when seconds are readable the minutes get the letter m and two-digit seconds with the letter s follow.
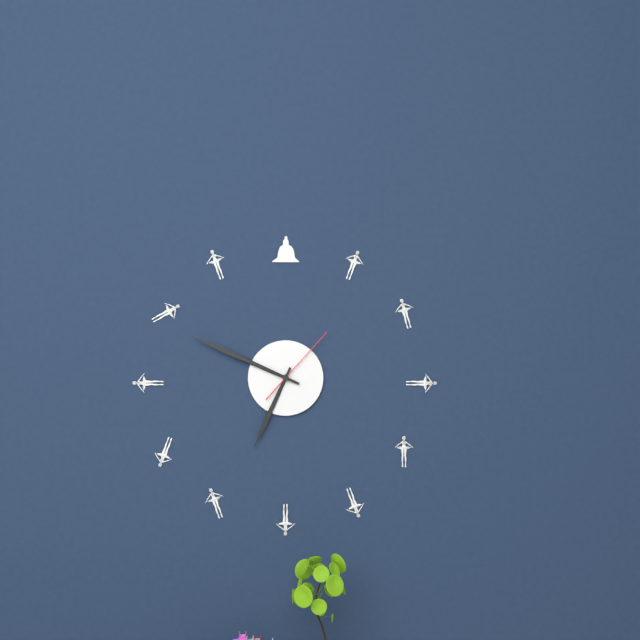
6h49m07s
